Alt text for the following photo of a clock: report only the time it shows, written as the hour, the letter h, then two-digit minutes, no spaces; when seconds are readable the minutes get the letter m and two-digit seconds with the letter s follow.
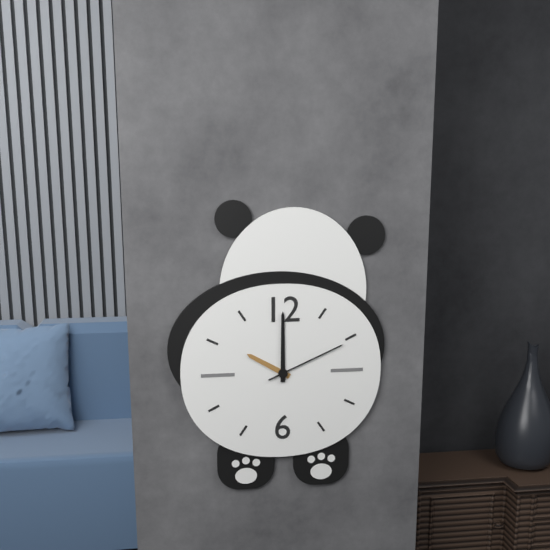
10h00m11s
